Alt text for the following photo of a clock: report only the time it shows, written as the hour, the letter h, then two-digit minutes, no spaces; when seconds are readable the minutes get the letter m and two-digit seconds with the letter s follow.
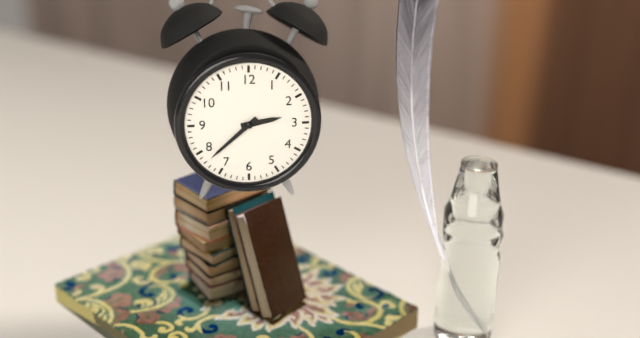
2h38
